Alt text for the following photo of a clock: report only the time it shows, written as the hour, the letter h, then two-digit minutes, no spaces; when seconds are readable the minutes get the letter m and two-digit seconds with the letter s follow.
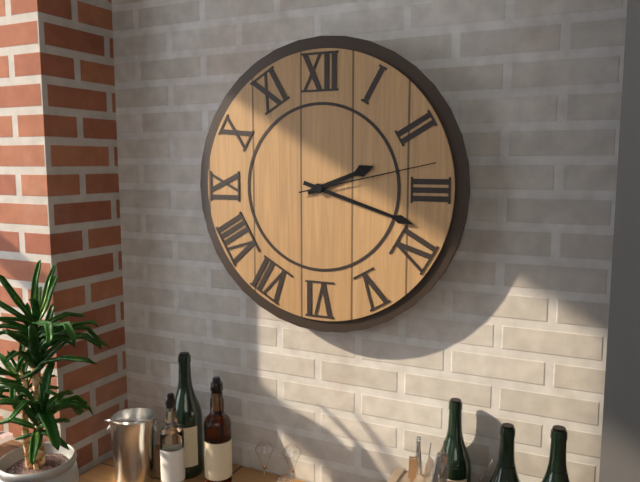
2h18m13s
